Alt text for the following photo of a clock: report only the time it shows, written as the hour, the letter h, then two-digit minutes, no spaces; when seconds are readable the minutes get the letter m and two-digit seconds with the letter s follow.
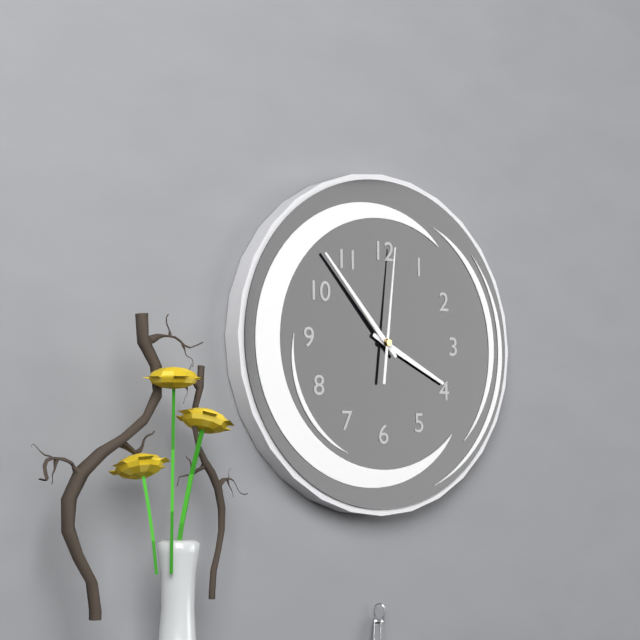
3h53m01s
